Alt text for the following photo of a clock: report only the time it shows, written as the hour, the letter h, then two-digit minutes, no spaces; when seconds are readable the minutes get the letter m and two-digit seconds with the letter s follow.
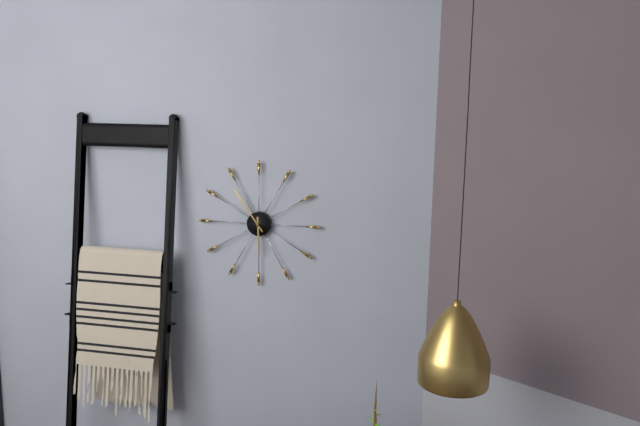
5h54
